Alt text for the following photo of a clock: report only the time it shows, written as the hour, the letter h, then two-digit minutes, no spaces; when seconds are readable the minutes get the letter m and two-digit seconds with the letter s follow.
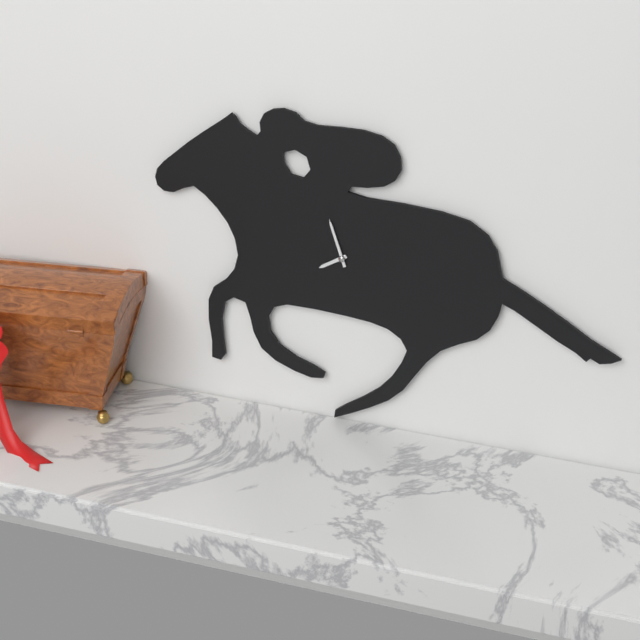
7h57
